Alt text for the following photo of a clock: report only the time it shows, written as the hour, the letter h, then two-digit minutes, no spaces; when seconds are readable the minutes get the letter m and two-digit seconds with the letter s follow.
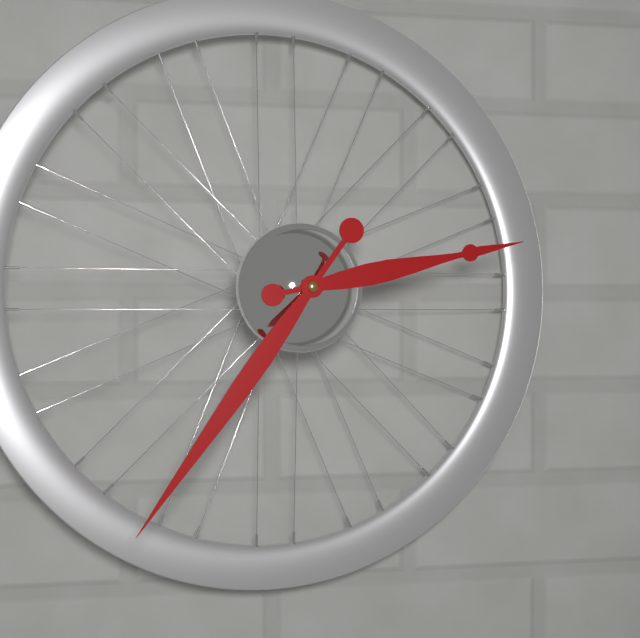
2h36
